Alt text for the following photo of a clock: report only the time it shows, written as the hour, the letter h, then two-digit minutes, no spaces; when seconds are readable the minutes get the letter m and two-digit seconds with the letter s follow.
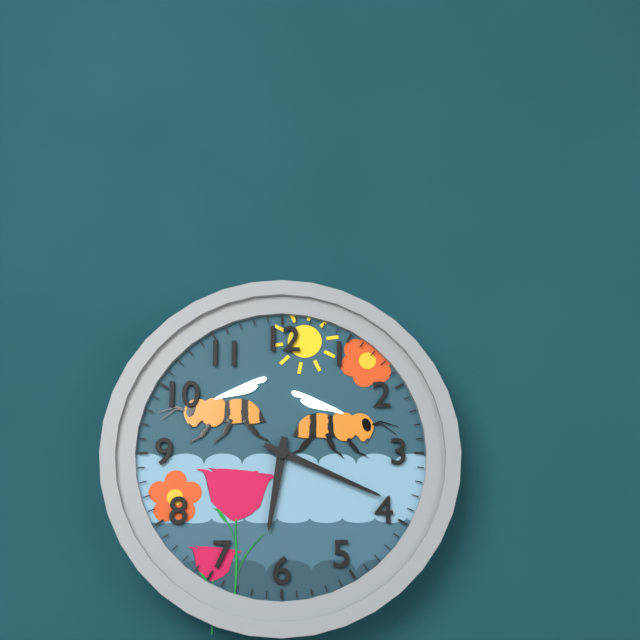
6h19
